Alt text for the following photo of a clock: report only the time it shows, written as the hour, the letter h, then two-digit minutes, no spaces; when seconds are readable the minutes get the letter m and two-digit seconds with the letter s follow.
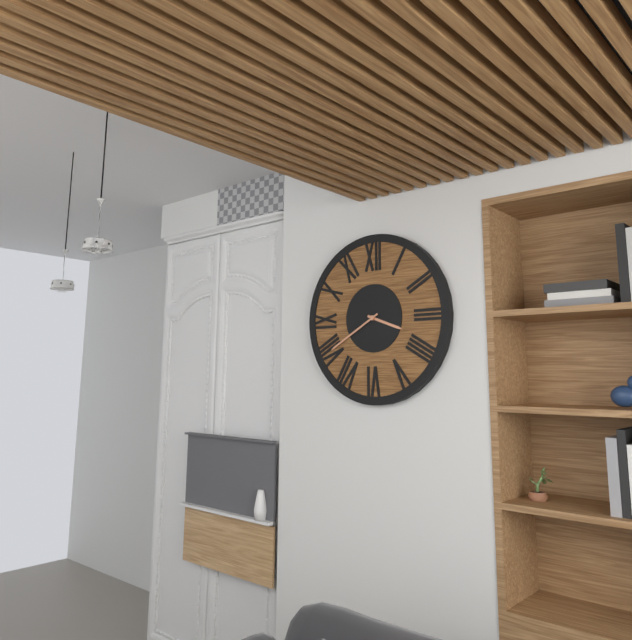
3h40
